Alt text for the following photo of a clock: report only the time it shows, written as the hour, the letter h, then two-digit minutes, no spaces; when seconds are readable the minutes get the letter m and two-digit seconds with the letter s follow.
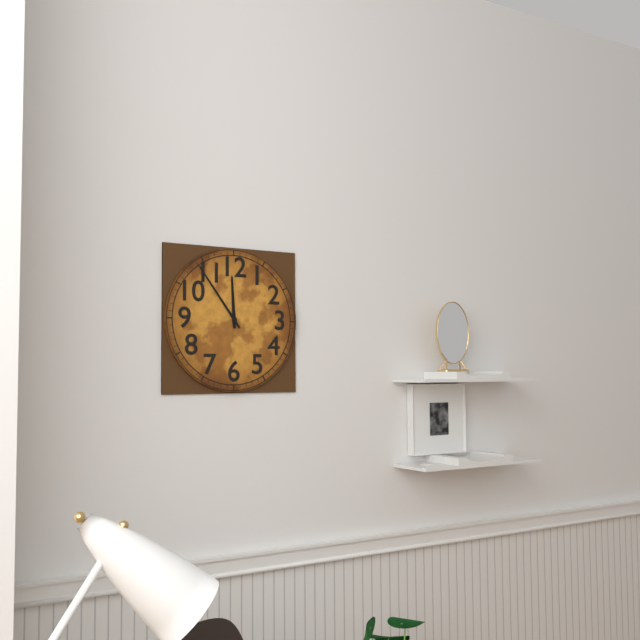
11h54
